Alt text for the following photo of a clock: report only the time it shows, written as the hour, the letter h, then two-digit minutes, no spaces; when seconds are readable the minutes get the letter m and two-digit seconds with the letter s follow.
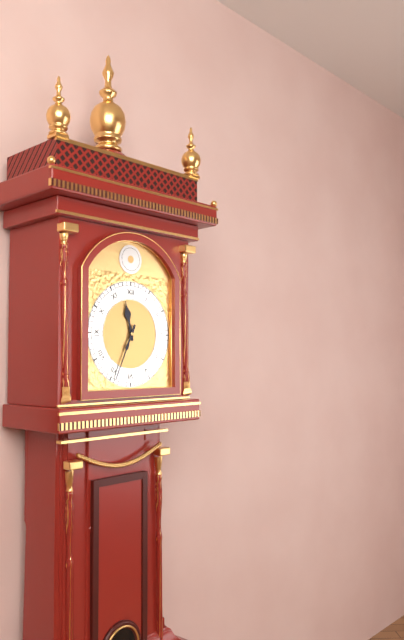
11h34
